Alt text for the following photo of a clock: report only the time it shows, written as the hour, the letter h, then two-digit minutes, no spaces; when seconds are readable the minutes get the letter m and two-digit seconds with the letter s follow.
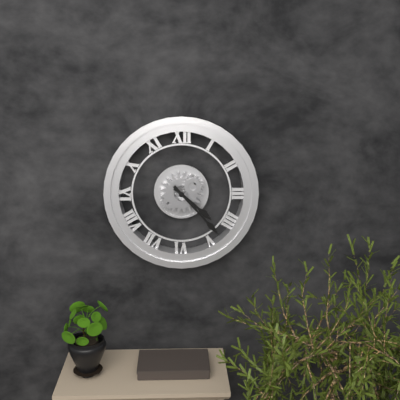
4h23
